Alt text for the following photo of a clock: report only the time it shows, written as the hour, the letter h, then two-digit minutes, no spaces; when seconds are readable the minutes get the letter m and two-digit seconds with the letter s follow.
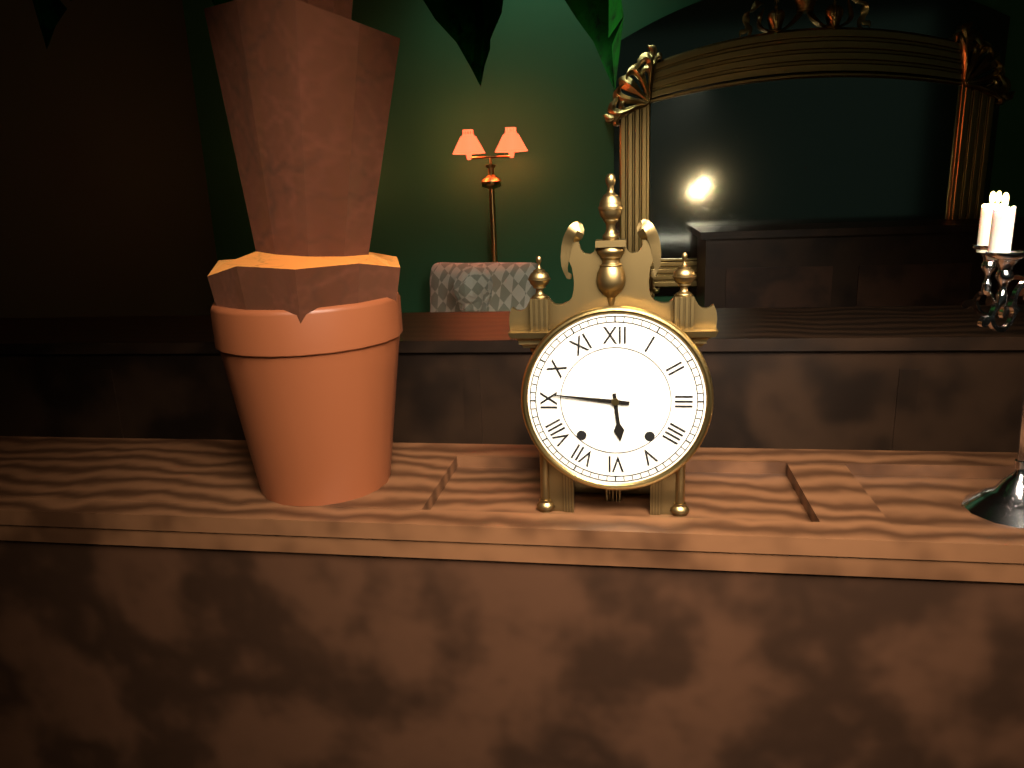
5h46
